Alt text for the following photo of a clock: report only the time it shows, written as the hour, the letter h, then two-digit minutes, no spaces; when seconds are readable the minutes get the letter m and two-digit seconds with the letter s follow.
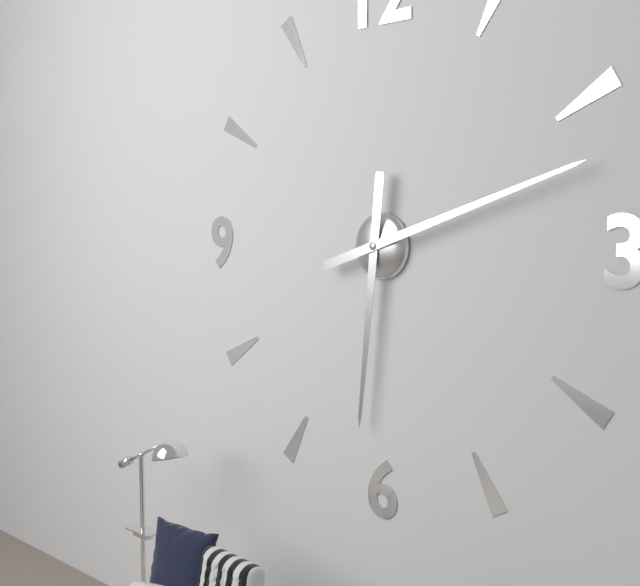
6h12
